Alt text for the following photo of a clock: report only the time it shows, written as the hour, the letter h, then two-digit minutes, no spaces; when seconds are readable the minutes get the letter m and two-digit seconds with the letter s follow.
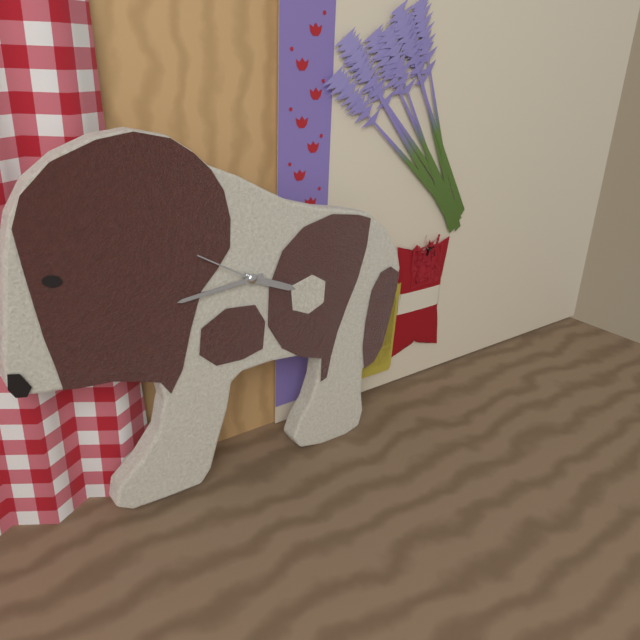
3h44m50s
